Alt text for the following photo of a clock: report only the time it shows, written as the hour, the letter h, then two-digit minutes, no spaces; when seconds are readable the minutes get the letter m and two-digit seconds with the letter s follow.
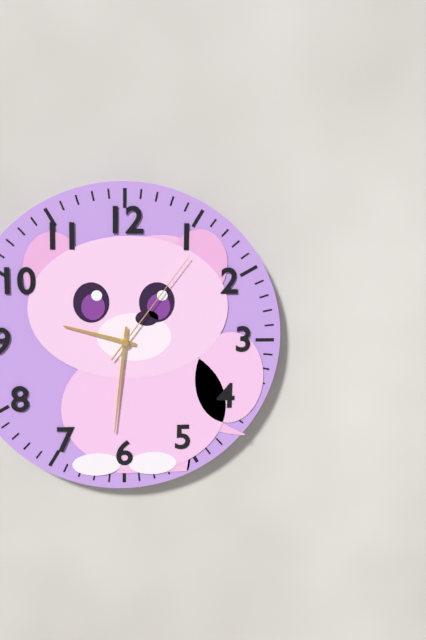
9h31m06s
